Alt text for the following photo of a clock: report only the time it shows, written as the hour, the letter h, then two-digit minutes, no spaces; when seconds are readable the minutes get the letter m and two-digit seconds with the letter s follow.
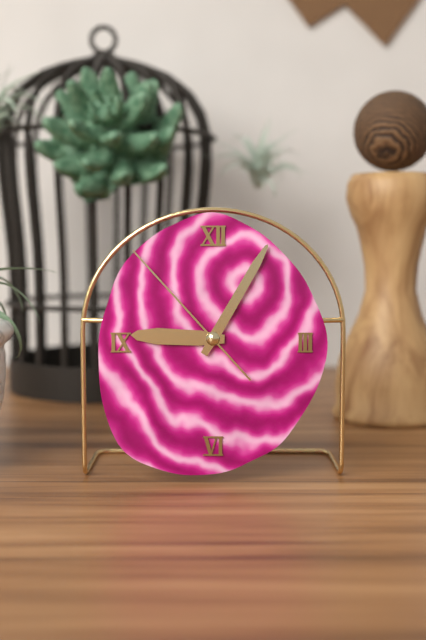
9h05m53s
